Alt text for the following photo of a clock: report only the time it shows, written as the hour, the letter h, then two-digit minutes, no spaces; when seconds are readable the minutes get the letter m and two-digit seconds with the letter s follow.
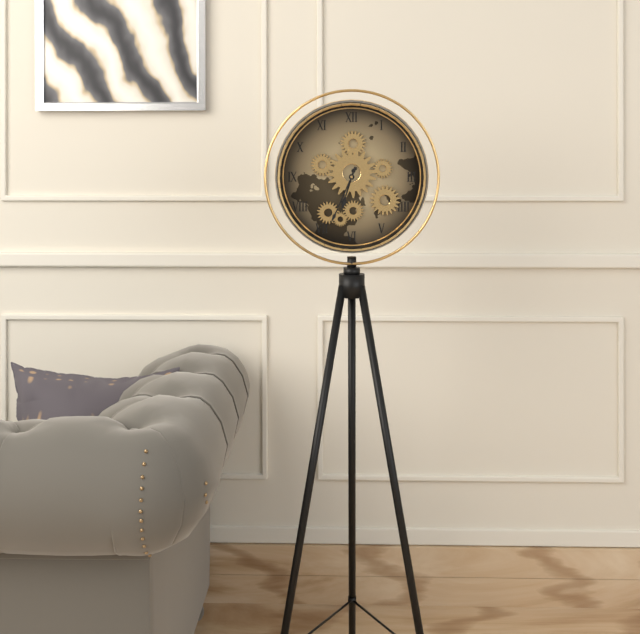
6h34
